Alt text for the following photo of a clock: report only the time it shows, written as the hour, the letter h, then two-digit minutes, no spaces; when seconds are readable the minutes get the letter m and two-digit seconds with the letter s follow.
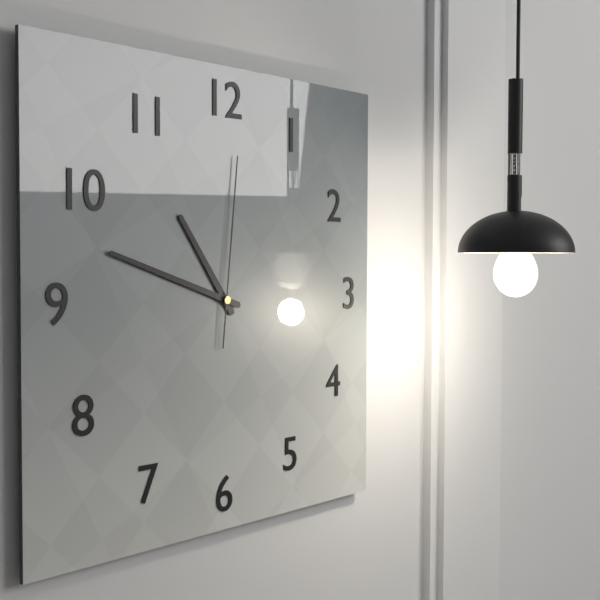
10h48m01s
